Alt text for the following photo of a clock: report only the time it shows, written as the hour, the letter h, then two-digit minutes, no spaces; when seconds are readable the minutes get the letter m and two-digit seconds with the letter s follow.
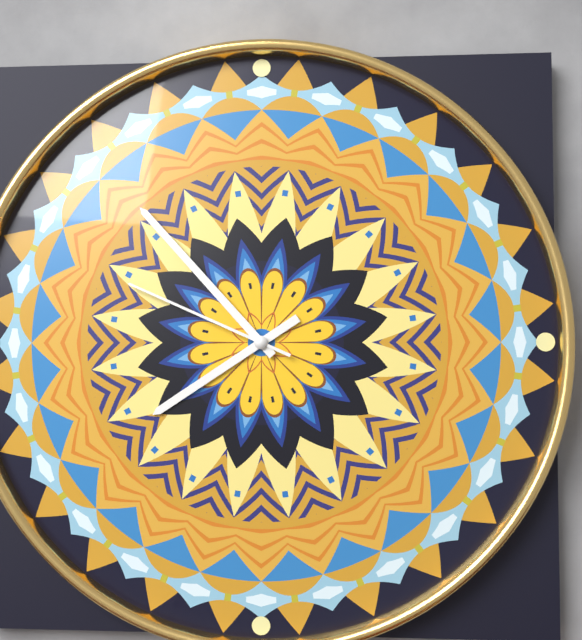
7h53m49s
